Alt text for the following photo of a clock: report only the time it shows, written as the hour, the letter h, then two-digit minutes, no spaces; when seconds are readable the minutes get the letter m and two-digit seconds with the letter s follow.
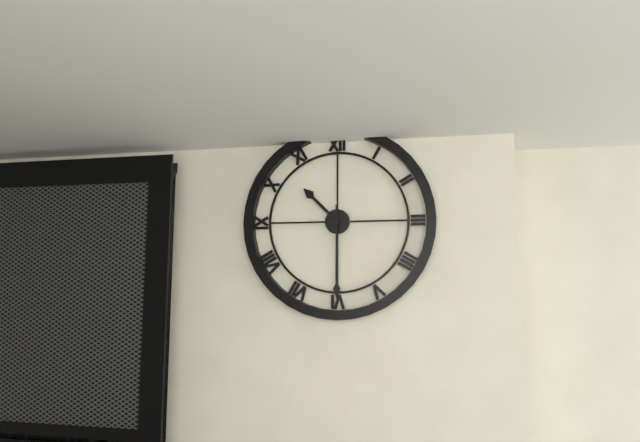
10h30
